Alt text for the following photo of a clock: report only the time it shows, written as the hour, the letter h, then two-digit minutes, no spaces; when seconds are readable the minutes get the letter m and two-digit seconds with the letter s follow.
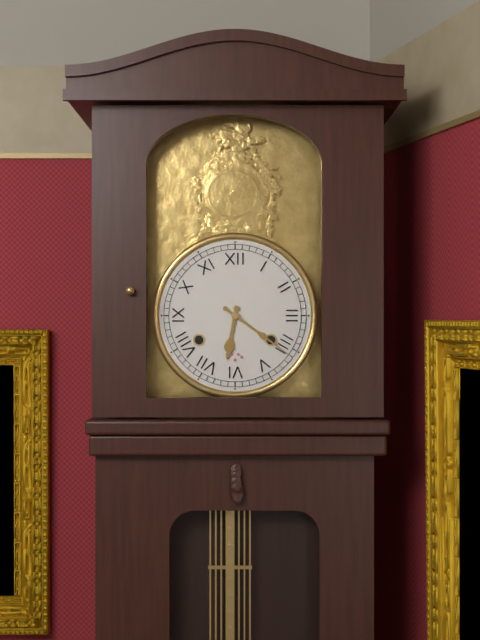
6h21
